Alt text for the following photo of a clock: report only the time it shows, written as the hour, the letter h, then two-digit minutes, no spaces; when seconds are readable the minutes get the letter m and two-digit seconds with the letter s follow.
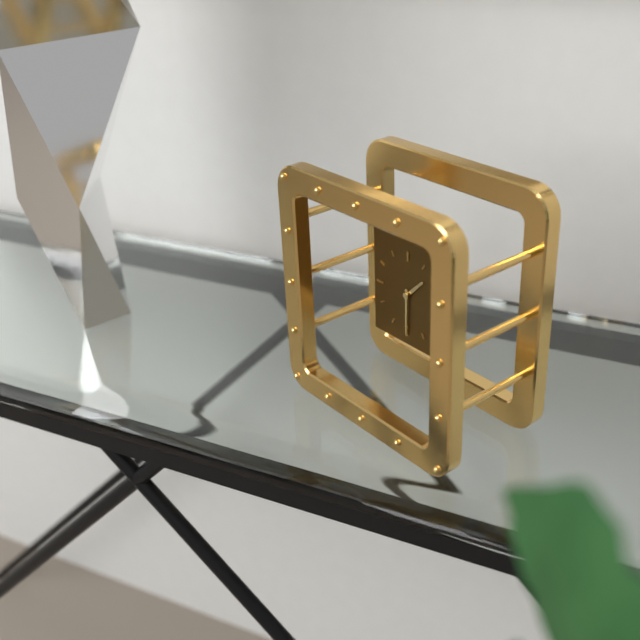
1h30
